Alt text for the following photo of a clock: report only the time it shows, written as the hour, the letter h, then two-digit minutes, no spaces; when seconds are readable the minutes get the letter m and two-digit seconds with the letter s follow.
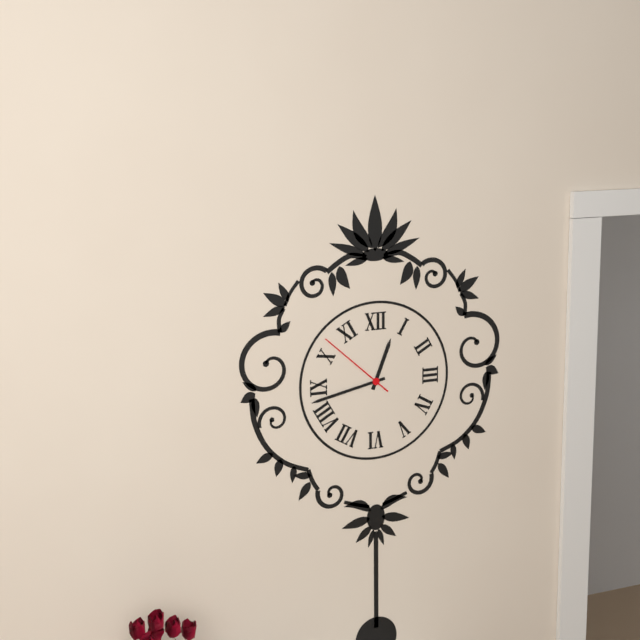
12h43m52s
